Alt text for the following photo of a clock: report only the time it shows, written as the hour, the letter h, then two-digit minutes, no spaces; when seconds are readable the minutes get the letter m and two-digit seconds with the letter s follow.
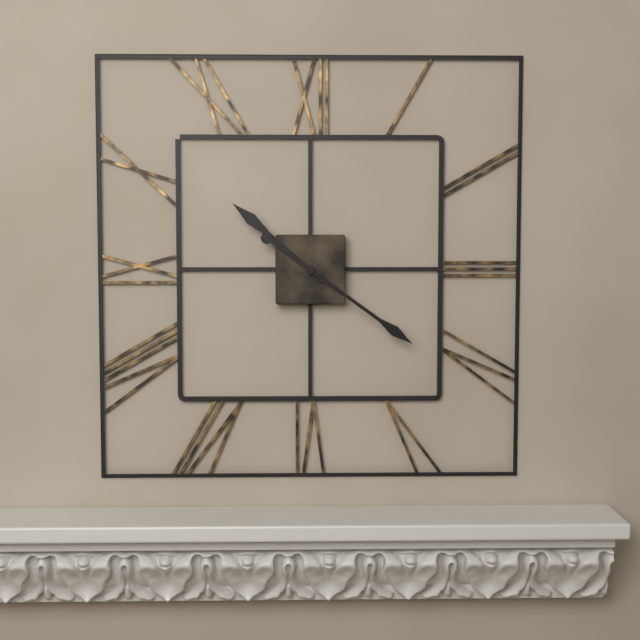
10h21
